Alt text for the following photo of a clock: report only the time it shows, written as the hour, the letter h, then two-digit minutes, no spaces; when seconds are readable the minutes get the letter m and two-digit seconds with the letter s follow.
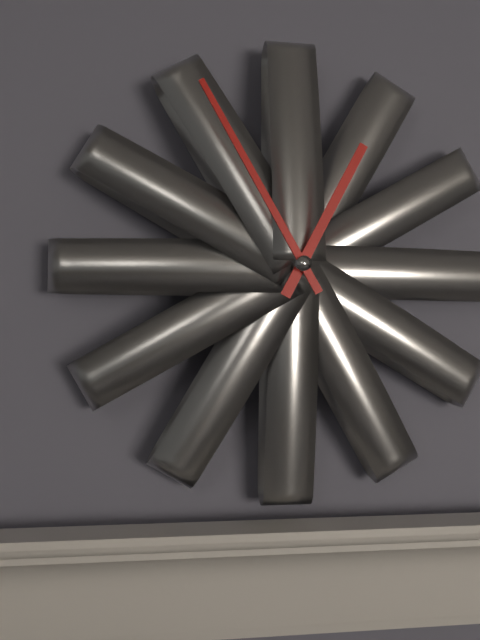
12h55
